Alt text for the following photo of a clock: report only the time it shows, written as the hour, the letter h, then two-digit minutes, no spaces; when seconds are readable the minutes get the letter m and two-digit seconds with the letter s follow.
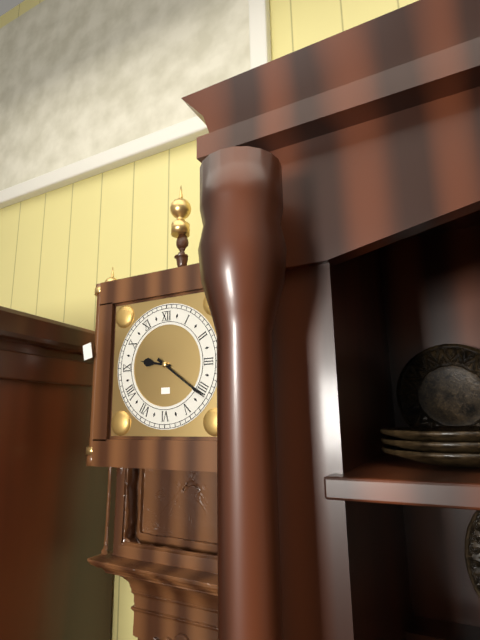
9h21
